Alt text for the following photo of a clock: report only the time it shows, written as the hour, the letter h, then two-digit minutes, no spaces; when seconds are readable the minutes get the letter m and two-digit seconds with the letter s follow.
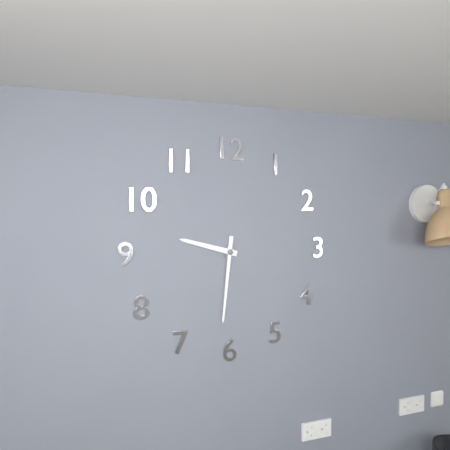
9h31
